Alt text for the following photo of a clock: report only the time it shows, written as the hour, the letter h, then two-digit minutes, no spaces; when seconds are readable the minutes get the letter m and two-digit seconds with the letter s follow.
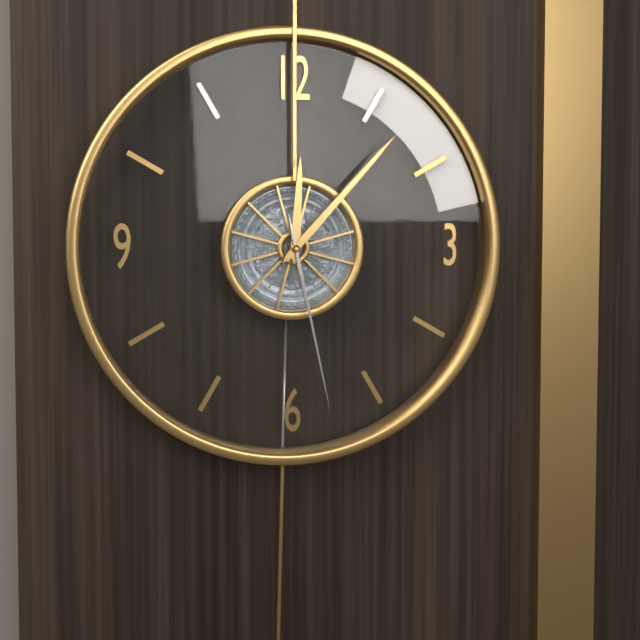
12h07m28s
